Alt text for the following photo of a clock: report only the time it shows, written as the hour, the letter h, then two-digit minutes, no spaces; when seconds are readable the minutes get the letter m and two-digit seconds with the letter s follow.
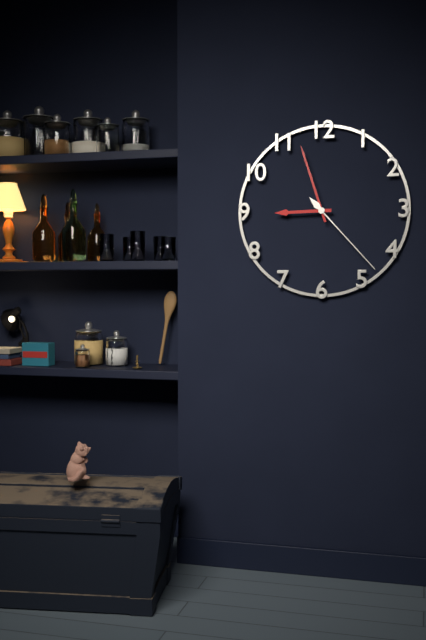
8h57m23s
